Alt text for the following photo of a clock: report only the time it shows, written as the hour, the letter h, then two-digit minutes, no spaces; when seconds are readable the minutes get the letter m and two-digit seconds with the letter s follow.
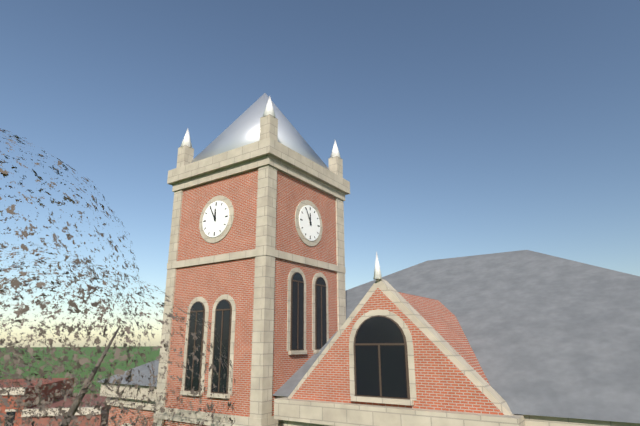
11h55
